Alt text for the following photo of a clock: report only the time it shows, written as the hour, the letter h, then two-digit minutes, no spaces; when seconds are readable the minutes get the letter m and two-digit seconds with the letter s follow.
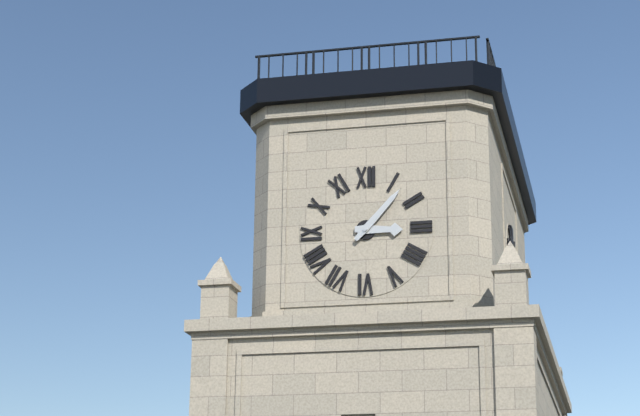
3h07
